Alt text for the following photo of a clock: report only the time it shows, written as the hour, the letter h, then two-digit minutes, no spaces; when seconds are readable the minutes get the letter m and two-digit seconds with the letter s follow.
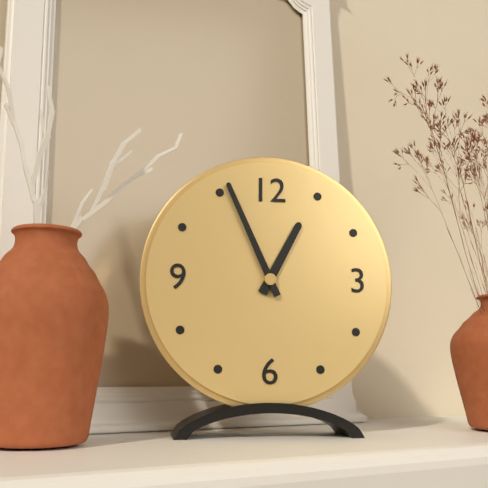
12h56
